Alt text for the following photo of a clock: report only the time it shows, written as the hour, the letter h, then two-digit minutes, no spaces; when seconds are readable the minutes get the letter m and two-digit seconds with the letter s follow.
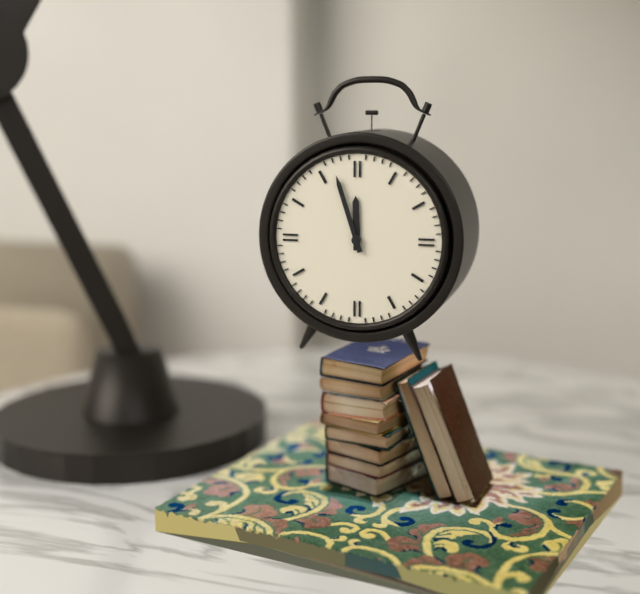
11h57
